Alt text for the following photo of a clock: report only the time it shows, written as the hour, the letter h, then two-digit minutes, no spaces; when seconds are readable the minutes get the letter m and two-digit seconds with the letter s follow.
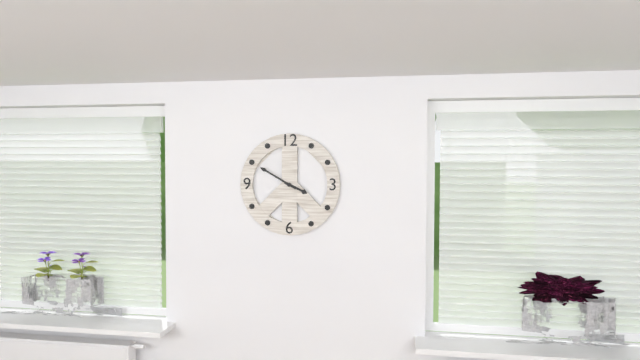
3h50
